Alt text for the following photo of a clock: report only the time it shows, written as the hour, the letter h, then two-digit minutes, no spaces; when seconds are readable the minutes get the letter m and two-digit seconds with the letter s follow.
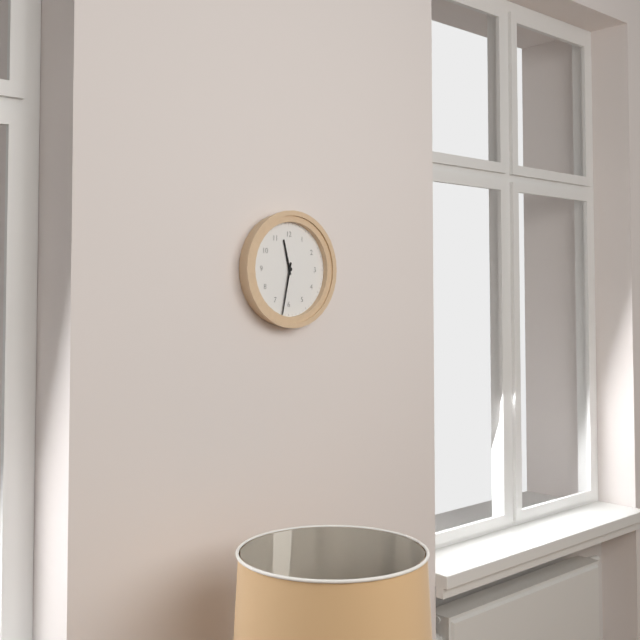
11h32
